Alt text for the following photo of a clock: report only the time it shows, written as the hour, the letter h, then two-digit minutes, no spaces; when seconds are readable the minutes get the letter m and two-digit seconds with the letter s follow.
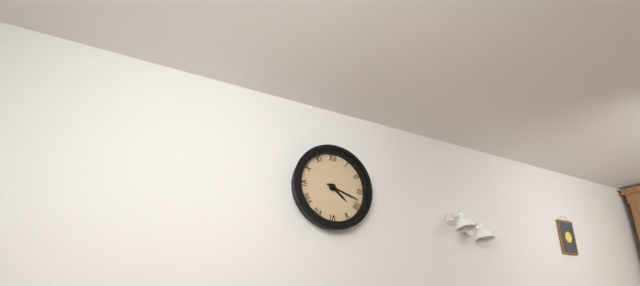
4h18
